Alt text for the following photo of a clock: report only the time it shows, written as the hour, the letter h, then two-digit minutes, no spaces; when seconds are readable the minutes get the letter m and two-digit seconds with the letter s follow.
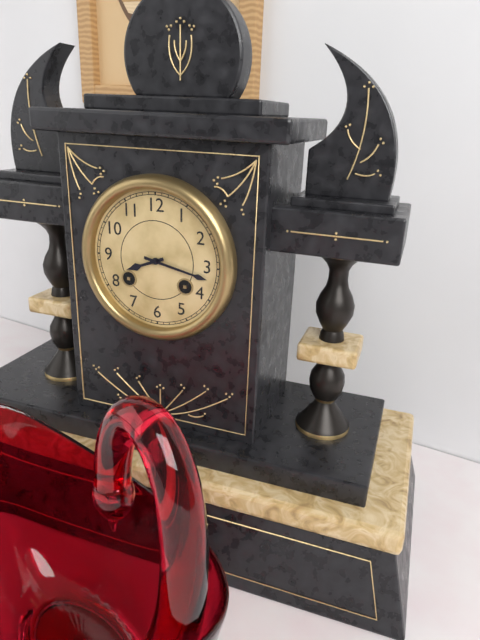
8h17
